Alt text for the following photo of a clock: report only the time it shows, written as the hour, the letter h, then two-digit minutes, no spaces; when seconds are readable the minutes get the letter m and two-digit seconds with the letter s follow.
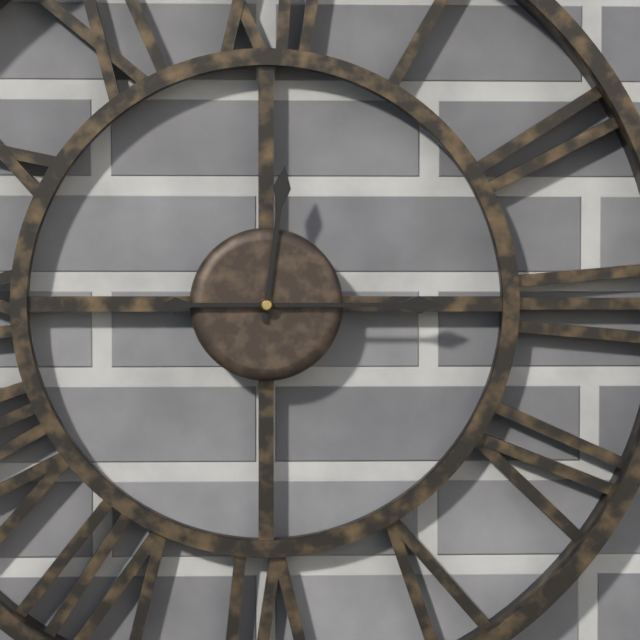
12h15
